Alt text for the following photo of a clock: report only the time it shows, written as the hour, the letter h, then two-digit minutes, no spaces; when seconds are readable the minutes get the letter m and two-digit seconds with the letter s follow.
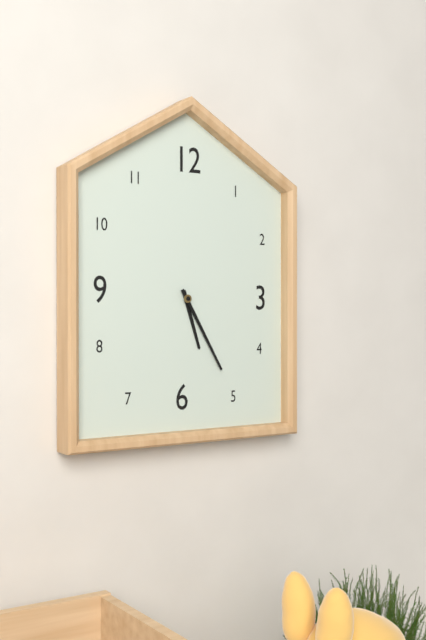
5h25
